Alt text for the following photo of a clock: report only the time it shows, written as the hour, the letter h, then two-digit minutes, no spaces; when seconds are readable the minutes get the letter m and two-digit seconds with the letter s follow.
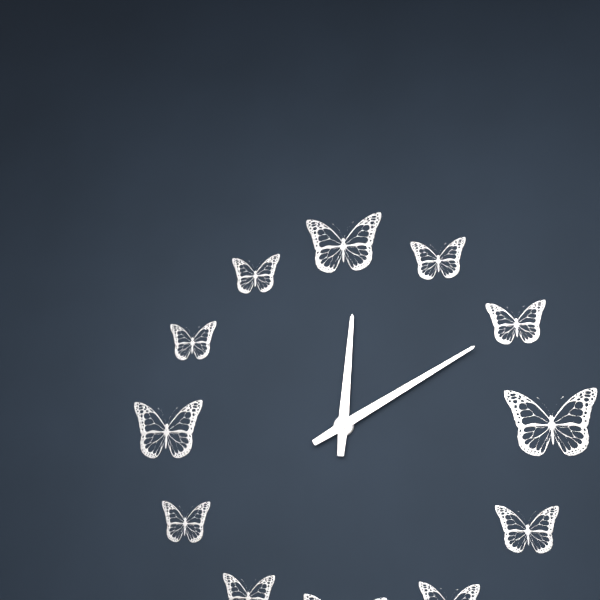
12h10
